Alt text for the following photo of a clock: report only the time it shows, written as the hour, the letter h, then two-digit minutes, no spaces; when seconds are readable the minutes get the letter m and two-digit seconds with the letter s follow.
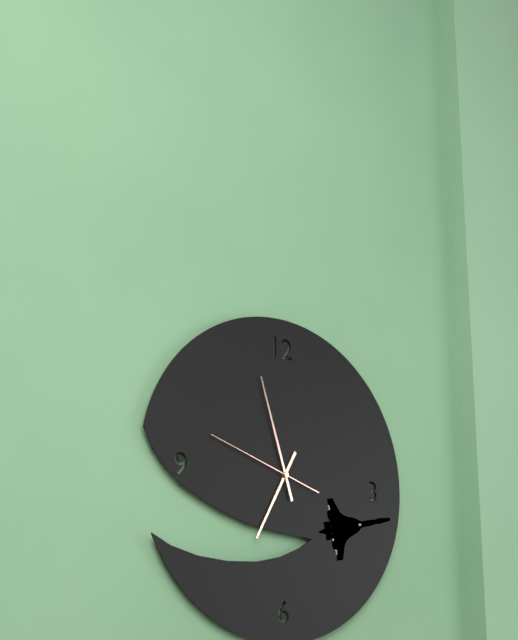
6h57m48s
